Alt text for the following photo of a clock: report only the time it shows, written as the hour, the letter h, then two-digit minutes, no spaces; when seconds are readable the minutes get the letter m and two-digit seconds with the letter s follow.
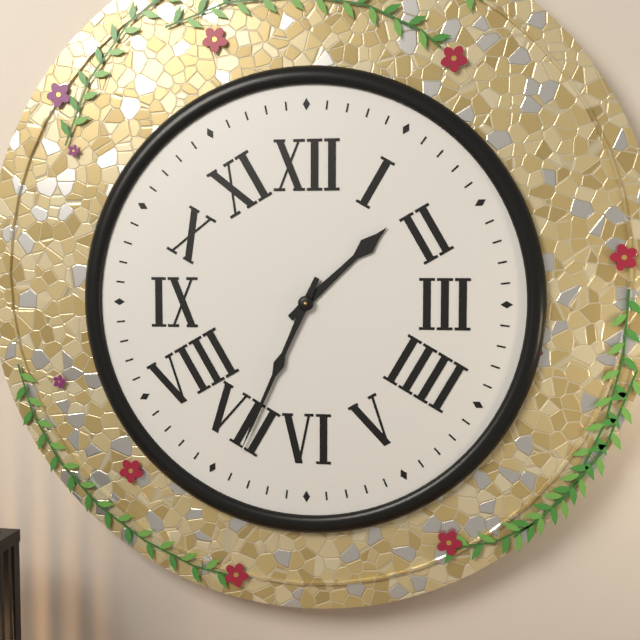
1h34
